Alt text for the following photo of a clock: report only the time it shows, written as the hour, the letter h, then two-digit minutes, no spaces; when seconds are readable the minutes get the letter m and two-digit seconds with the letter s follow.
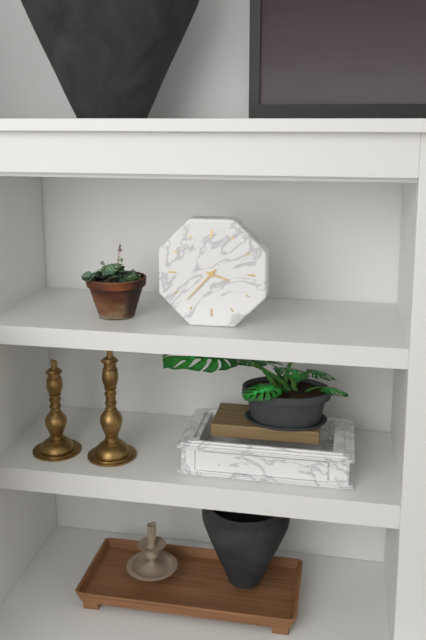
3h37
